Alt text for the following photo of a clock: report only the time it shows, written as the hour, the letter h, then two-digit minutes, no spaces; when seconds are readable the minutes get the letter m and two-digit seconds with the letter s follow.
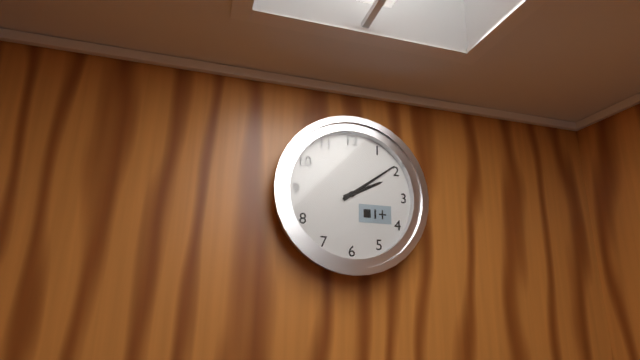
2h09
